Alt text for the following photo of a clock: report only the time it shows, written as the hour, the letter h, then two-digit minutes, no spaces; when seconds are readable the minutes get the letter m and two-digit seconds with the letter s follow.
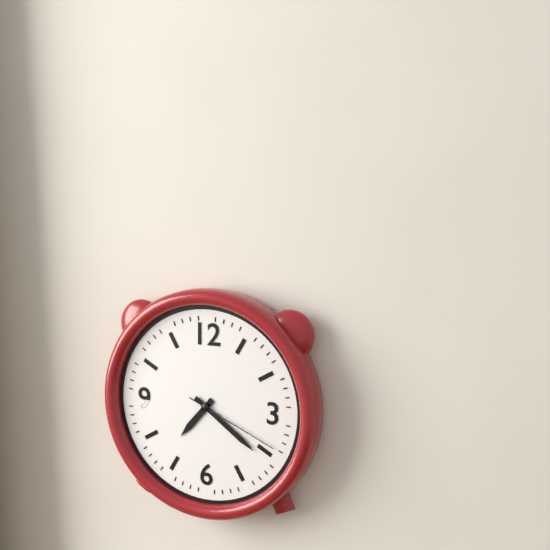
7h21m19s
